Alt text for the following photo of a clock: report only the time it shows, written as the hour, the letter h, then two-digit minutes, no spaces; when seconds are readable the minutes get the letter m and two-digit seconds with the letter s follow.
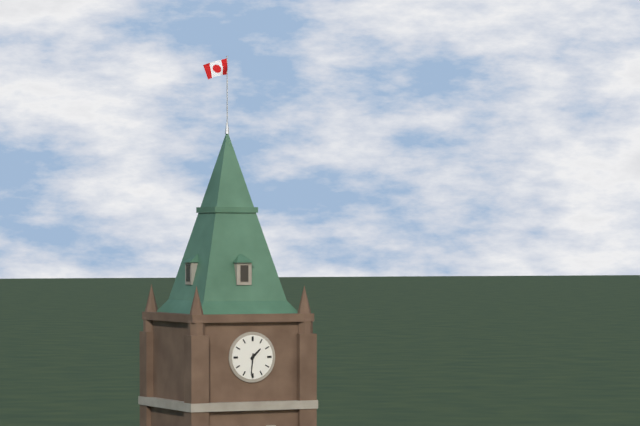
1h31
